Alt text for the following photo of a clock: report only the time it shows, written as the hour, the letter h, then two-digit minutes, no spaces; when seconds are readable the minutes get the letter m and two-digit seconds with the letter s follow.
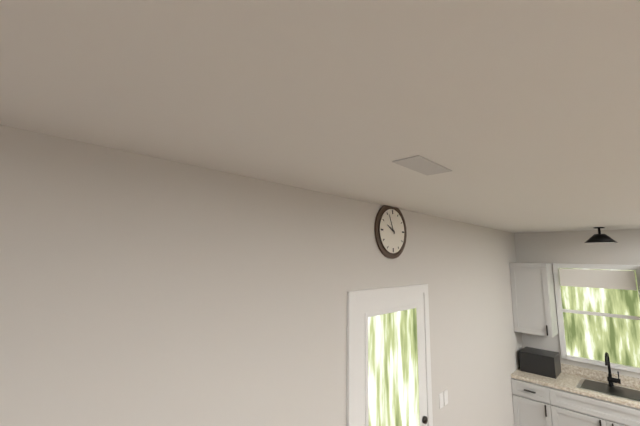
9h56
